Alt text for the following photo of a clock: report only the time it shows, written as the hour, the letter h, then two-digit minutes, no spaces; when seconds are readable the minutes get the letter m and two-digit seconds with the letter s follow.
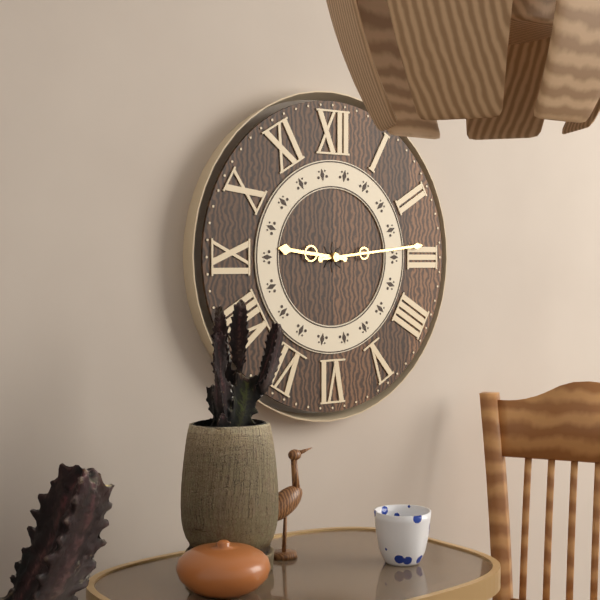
9h14
